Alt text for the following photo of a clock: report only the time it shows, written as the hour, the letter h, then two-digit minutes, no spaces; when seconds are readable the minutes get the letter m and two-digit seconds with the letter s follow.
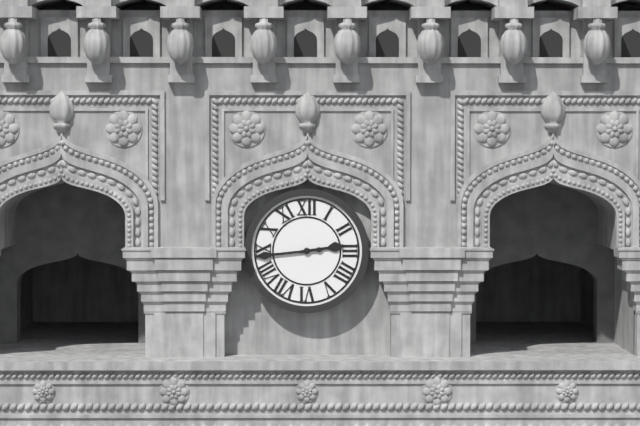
2h44
